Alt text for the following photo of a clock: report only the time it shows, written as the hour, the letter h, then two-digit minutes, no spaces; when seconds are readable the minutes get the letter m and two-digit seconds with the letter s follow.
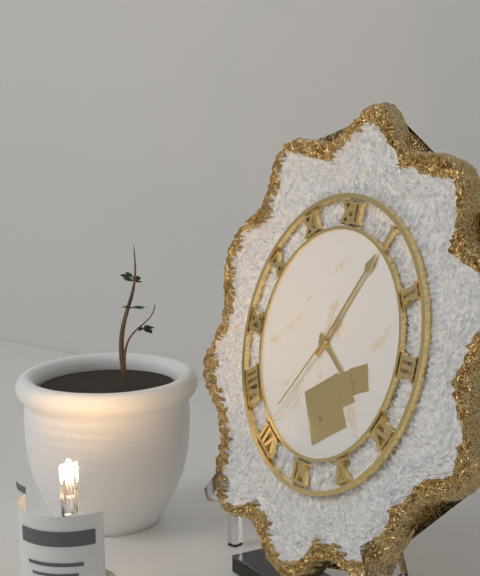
4h05m36s
